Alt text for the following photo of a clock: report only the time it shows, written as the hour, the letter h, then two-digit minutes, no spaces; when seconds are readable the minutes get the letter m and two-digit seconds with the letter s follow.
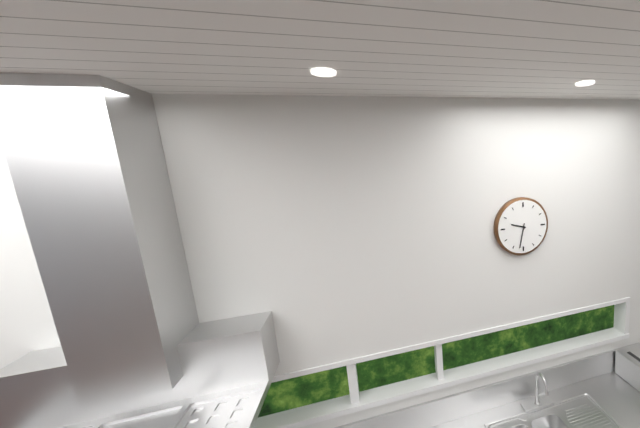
9h32
